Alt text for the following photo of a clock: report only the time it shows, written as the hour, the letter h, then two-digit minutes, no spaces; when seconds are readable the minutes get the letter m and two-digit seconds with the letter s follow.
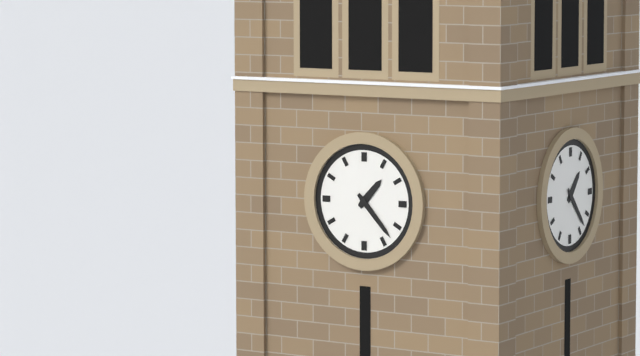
1h23
